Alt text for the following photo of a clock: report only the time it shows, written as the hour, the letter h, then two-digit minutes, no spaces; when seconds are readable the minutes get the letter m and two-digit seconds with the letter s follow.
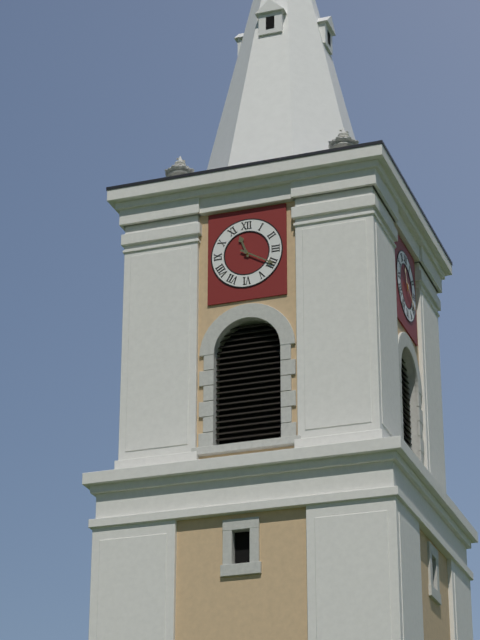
11h20
